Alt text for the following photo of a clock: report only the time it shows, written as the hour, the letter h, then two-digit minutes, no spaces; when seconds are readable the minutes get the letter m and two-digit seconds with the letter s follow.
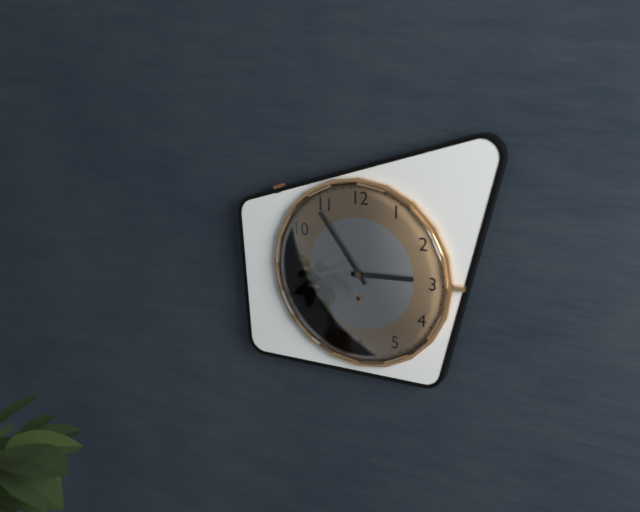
2h54
